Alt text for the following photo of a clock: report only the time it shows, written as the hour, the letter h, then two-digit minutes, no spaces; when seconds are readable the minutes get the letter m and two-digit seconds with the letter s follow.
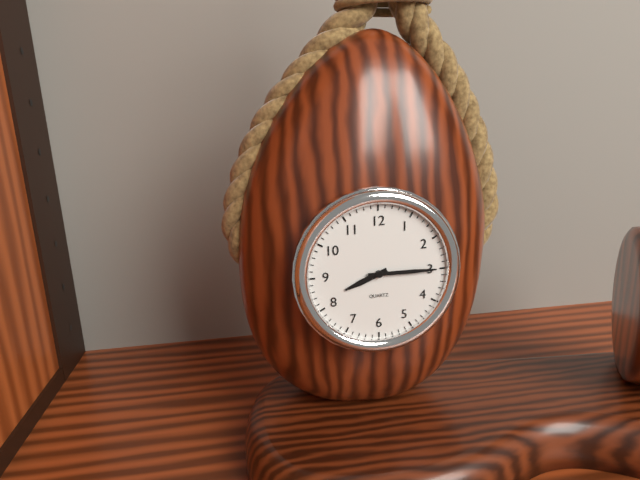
8h15
